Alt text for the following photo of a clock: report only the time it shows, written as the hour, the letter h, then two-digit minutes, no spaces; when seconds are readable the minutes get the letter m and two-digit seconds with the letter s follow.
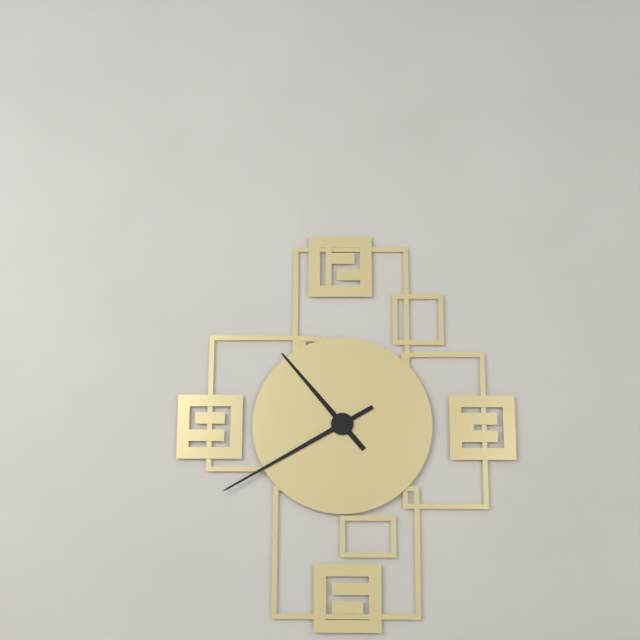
10h40
